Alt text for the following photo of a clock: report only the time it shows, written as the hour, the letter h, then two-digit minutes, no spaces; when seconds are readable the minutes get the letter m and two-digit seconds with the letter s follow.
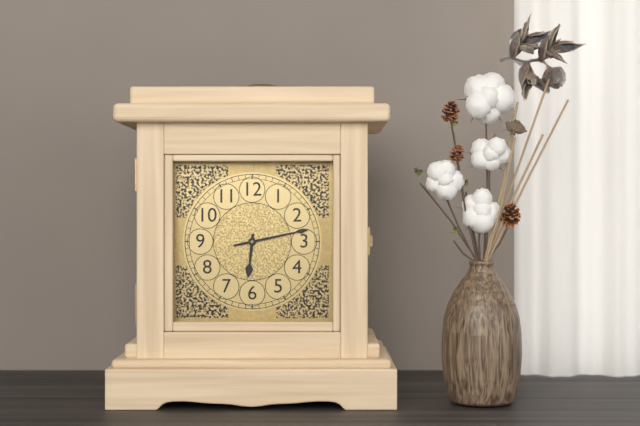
6h13
